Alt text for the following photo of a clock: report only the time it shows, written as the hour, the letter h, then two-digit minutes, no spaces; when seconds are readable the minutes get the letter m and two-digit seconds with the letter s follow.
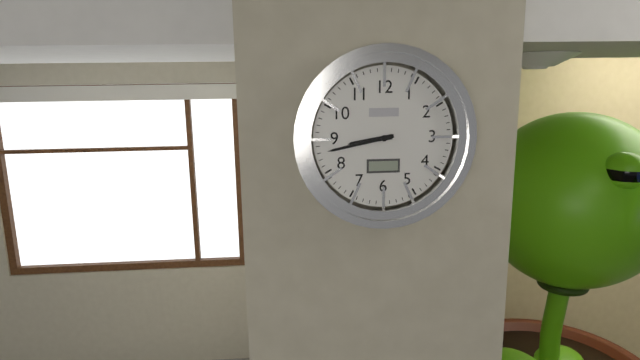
8h43
